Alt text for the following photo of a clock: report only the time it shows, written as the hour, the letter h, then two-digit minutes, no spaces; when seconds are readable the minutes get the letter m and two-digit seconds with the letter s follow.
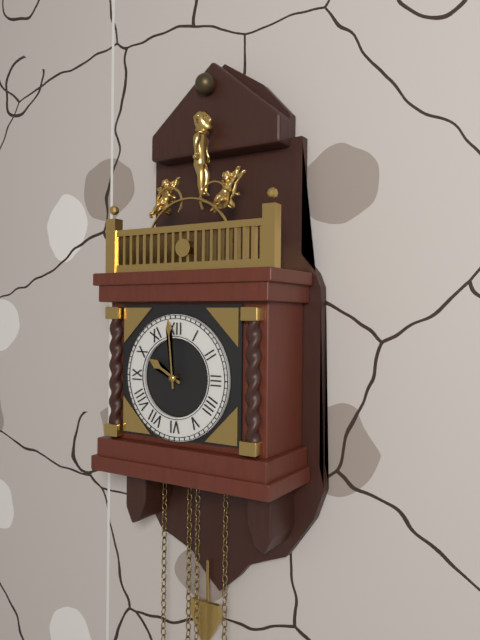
9h59
